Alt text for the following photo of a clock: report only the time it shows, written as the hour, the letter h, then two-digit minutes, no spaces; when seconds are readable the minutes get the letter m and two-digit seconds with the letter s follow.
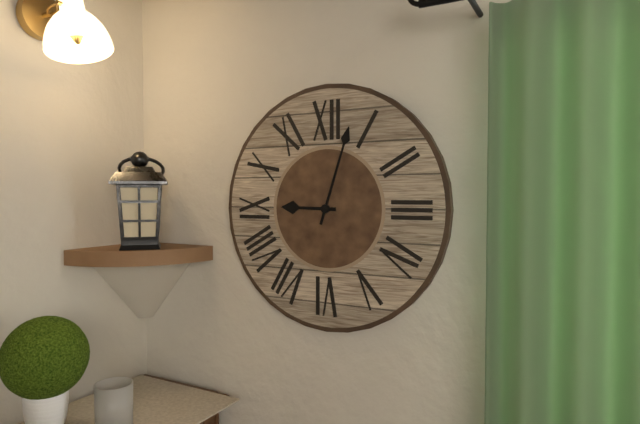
9h03
